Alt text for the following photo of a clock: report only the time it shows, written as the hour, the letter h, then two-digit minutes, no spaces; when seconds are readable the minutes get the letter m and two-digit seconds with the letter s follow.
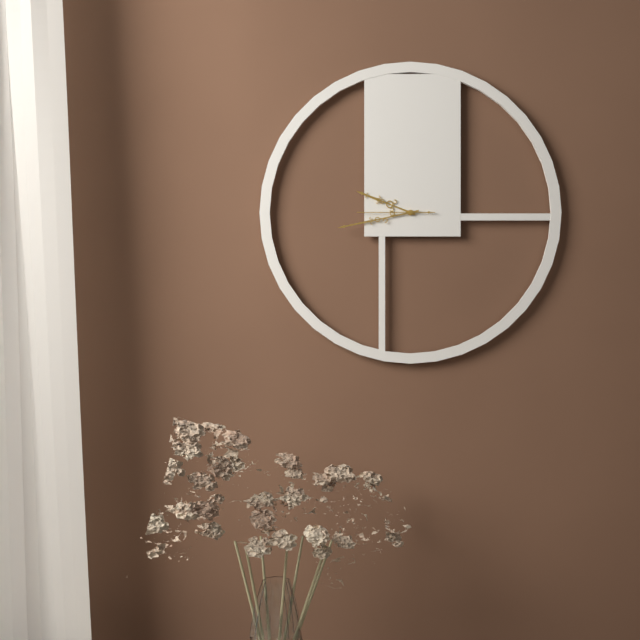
9h43m45s
